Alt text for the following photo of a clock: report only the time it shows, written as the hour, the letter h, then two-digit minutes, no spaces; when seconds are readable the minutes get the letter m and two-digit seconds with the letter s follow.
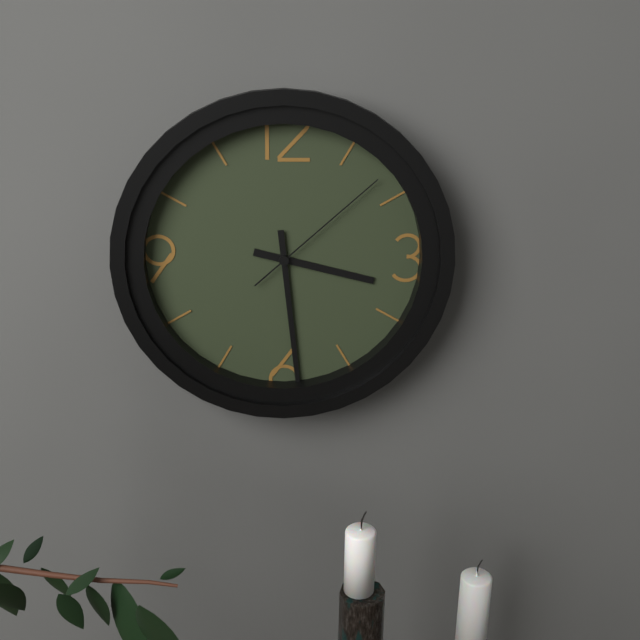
3h29m08s
